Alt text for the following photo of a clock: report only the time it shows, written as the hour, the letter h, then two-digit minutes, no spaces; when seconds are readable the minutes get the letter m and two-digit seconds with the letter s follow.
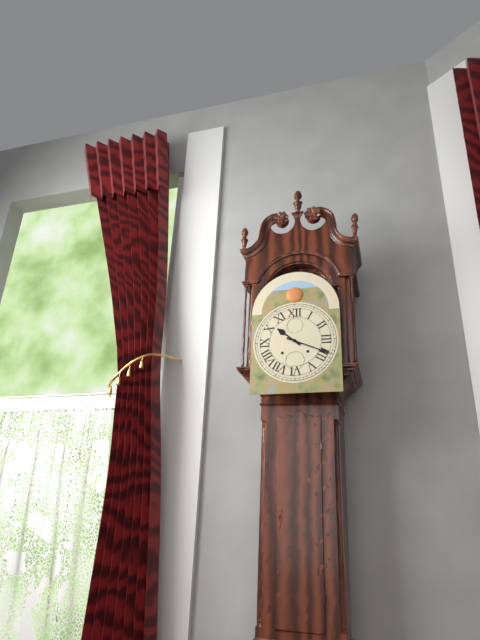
10h19
